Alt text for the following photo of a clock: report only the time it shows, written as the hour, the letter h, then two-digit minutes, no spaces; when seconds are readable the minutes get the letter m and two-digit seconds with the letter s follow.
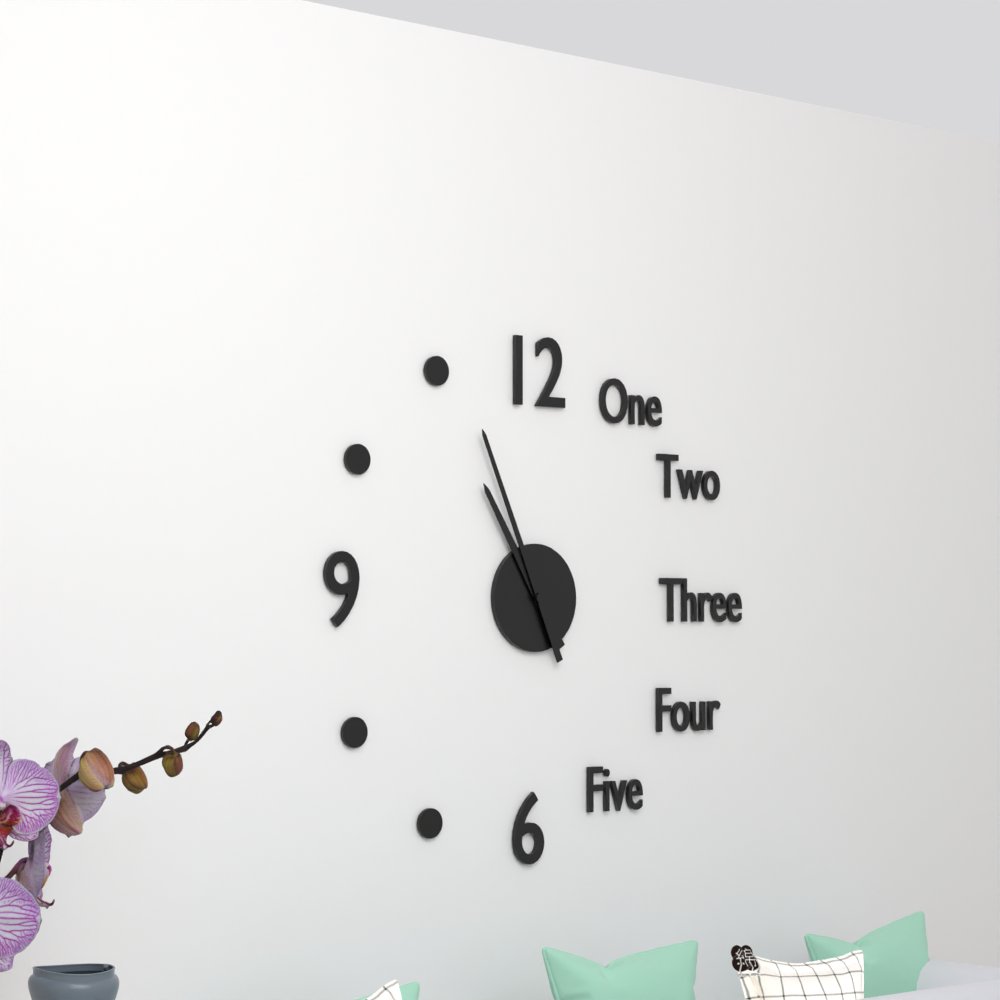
10h56
